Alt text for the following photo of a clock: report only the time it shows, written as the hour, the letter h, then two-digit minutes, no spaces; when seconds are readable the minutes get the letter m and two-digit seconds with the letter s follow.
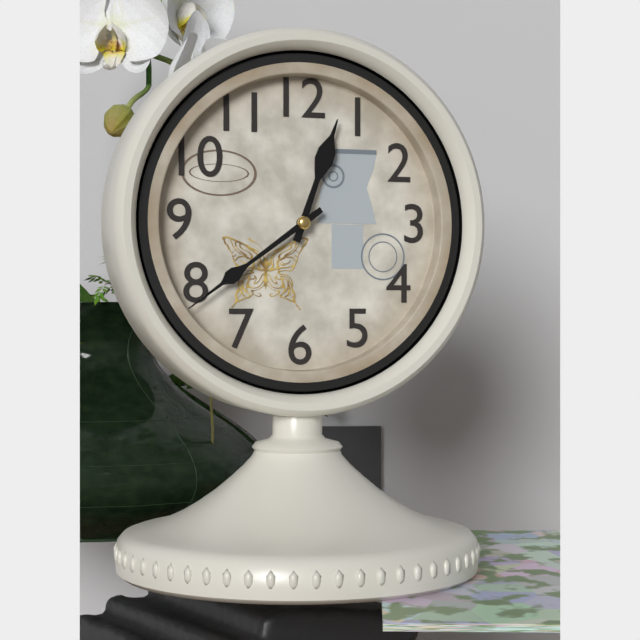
12h39
